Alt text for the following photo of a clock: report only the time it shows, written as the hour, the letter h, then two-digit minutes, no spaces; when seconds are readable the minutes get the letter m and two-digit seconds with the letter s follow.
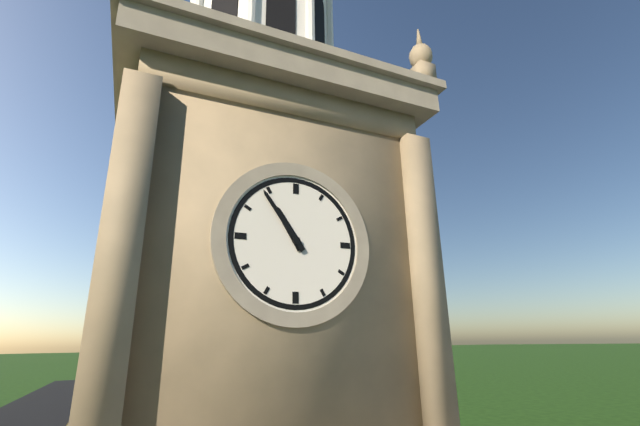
10h54
